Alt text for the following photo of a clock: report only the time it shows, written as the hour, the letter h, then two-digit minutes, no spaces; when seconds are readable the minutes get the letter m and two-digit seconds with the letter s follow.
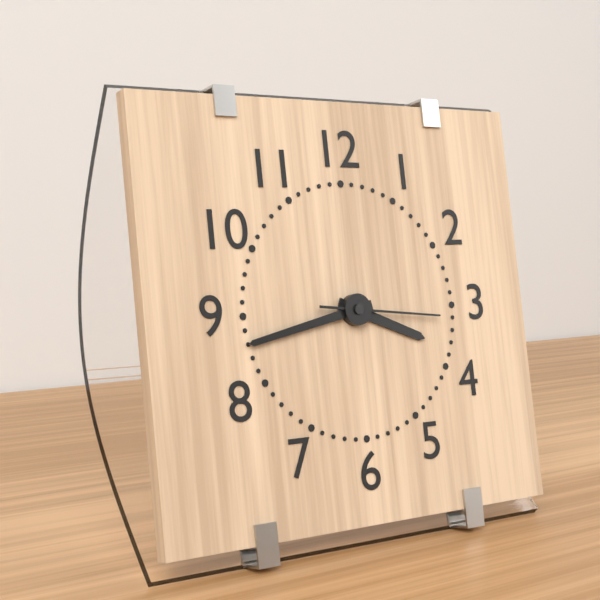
3h43m16s
